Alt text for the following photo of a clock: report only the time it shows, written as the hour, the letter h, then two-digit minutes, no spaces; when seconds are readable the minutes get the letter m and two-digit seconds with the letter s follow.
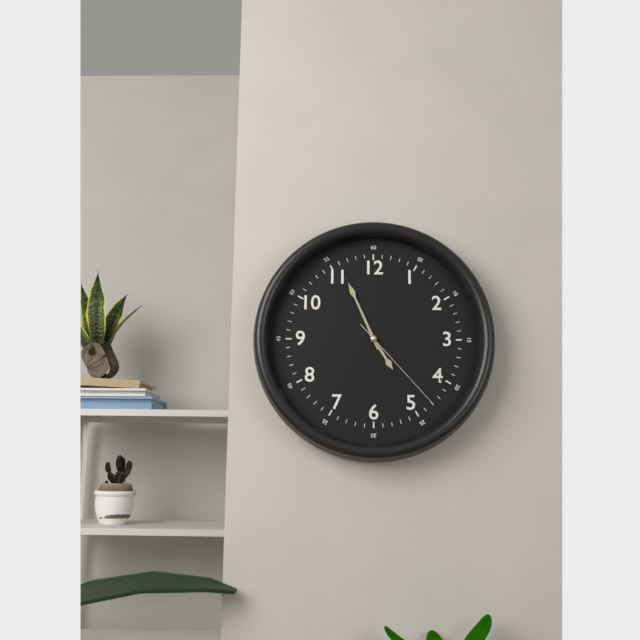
4h56m23s
